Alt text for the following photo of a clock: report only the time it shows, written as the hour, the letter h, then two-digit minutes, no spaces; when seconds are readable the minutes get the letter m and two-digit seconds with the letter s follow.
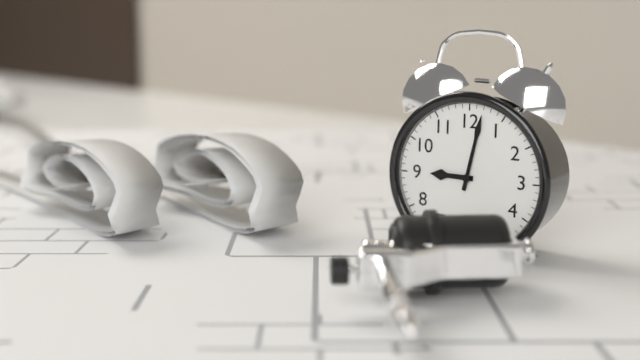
9h02
